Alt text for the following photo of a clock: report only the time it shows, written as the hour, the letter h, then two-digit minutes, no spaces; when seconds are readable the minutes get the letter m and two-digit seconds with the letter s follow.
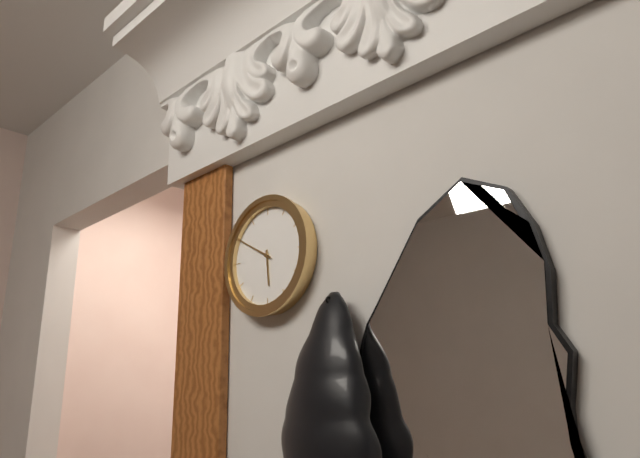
5h50
